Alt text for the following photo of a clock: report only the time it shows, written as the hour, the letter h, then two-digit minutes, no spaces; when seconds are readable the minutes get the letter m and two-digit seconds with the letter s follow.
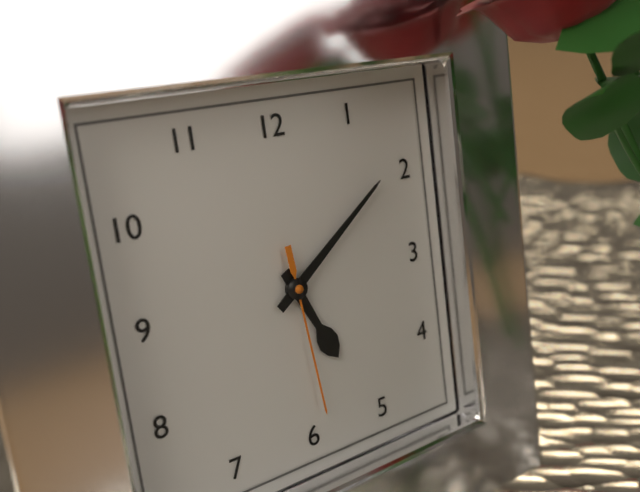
5h09m29s
